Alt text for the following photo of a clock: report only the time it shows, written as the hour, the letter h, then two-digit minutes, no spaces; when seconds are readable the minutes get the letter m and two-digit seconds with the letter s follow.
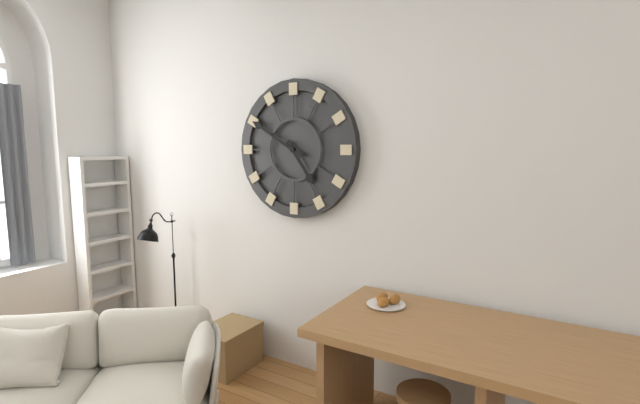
4h50
